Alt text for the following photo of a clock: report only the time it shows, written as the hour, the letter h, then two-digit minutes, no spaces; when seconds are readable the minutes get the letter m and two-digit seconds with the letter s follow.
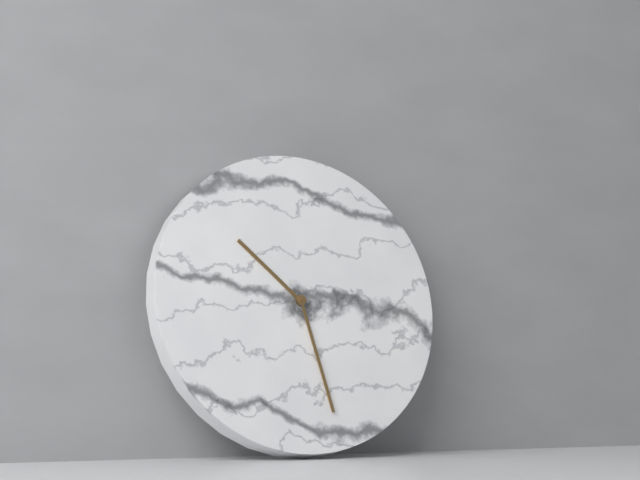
10h28
